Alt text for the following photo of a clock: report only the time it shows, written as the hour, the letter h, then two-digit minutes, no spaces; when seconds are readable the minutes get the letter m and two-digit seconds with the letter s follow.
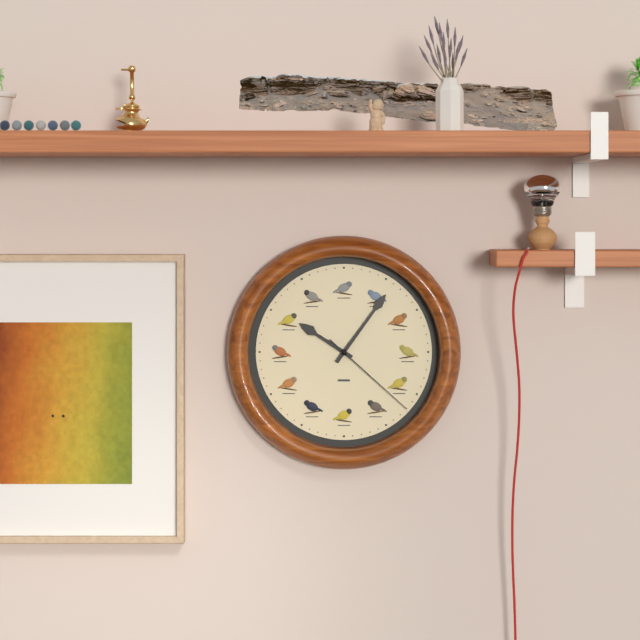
10h06m22s
